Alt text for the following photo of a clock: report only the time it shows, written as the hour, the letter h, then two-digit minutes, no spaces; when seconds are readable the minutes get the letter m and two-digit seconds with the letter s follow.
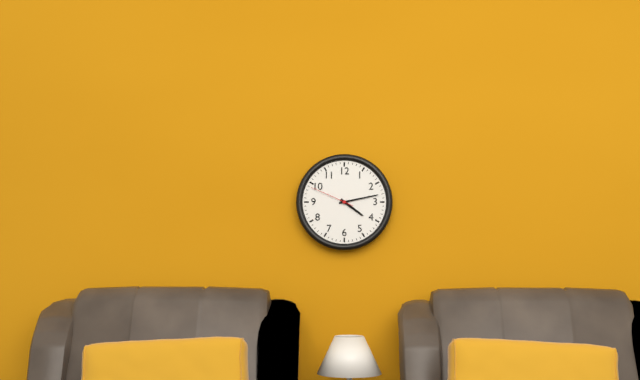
4h13
